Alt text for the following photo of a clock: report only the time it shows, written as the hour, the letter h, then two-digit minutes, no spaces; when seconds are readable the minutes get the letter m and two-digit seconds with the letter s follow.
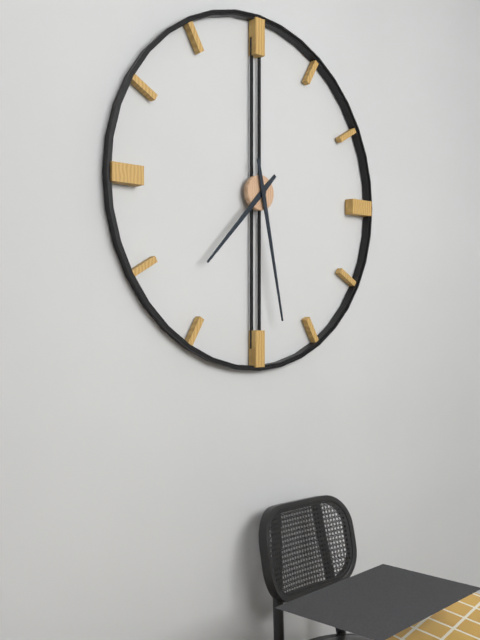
7h28
